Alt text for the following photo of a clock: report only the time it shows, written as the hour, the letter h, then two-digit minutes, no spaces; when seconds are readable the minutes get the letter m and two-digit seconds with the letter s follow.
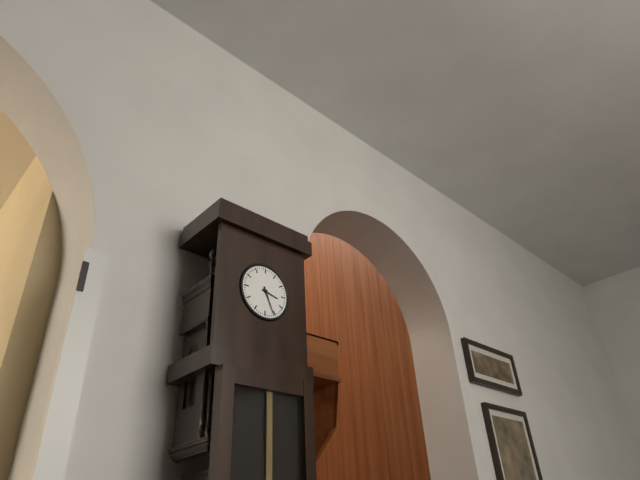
3h26
